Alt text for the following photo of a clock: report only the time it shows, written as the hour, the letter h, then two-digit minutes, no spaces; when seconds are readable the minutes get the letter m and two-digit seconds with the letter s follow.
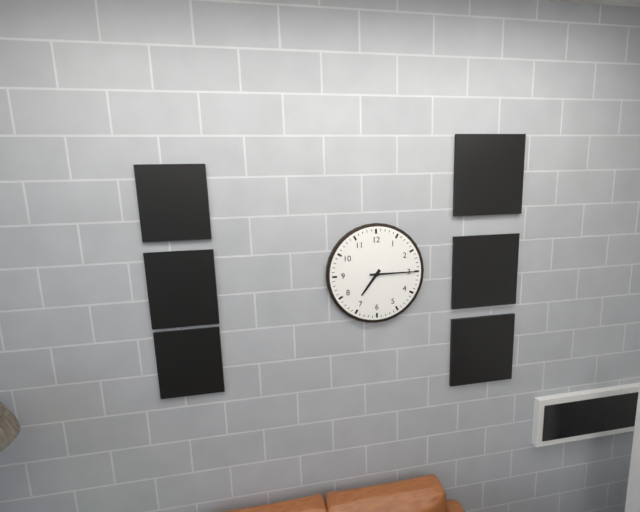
7h15
